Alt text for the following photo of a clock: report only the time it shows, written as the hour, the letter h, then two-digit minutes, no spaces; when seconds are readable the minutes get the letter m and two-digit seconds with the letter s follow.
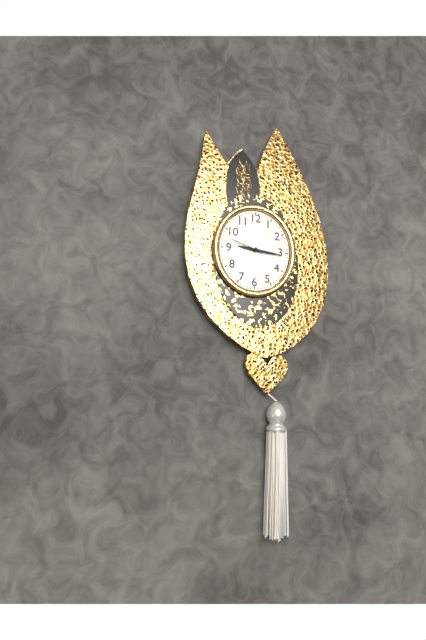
9h16
